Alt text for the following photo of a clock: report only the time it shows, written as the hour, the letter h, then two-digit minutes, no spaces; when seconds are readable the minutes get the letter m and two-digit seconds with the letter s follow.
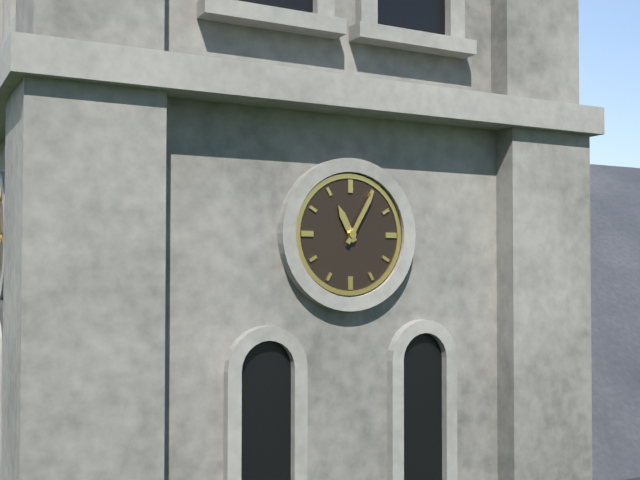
11h05
